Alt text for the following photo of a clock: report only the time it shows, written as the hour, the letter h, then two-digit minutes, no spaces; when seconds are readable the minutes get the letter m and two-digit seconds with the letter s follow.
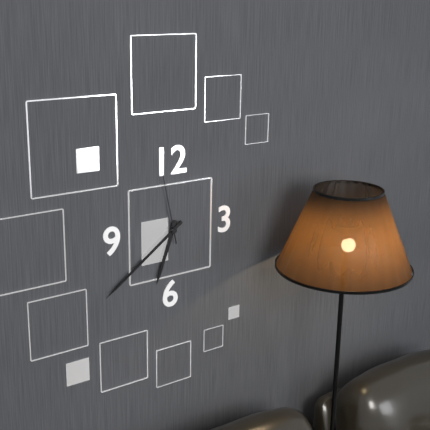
6h39m58s
